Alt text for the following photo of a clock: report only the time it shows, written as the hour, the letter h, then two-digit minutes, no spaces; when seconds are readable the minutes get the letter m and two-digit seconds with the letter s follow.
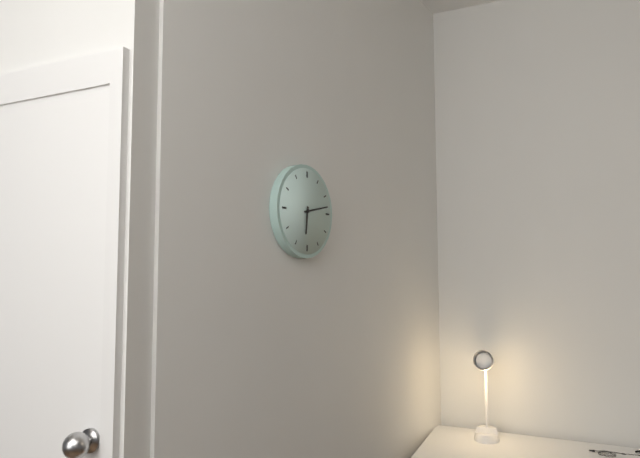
6h13
